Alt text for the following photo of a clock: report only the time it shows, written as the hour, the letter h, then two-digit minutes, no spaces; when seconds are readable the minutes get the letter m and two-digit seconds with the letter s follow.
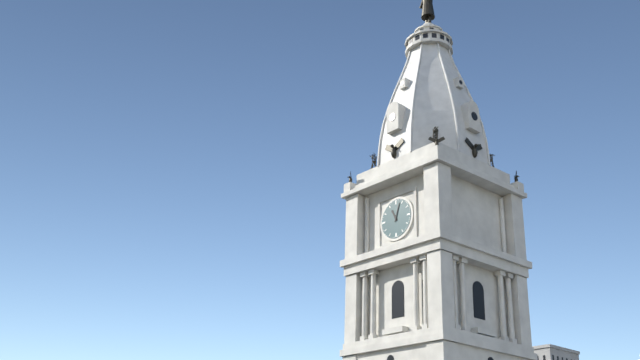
11h03
